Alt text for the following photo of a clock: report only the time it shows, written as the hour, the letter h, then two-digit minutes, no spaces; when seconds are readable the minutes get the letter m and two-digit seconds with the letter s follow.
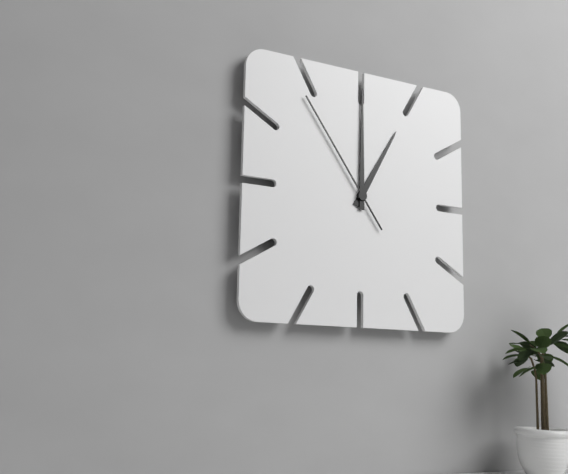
1h00m54s
